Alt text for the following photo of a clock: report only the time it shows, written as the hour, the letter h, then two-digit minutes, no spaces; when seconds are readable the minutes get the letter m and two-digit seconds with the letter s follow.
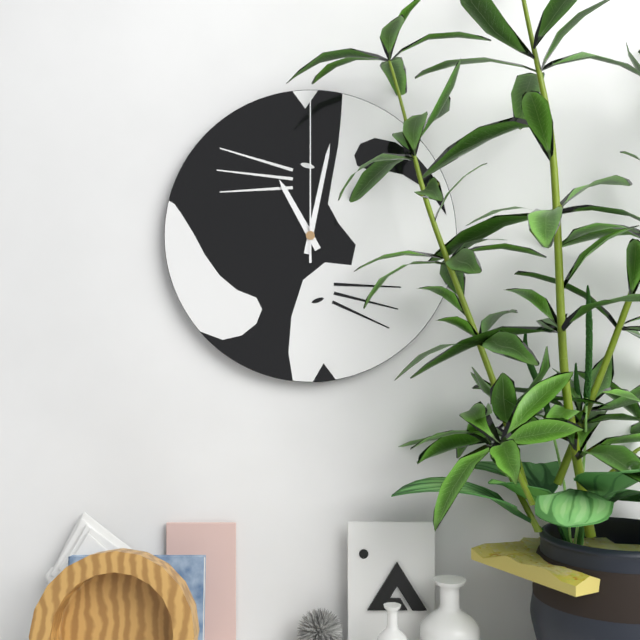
11h02m00s
